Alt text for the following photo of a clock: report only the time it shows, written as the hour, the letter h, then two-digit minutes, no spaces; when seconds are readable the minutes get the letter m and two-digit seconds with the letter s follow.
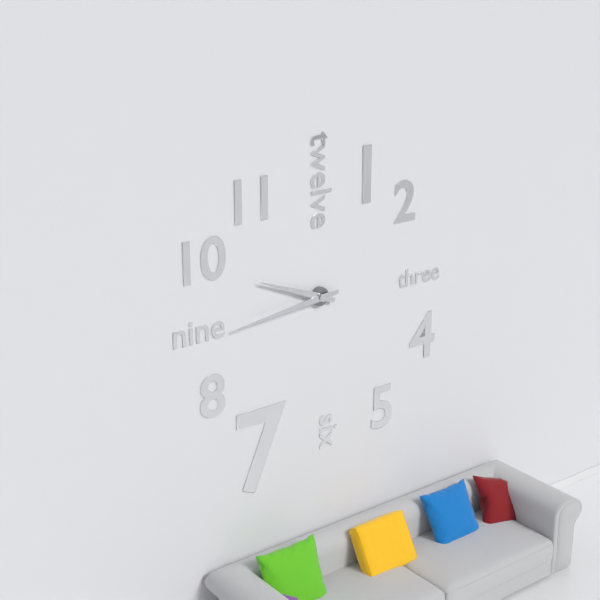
9h44
